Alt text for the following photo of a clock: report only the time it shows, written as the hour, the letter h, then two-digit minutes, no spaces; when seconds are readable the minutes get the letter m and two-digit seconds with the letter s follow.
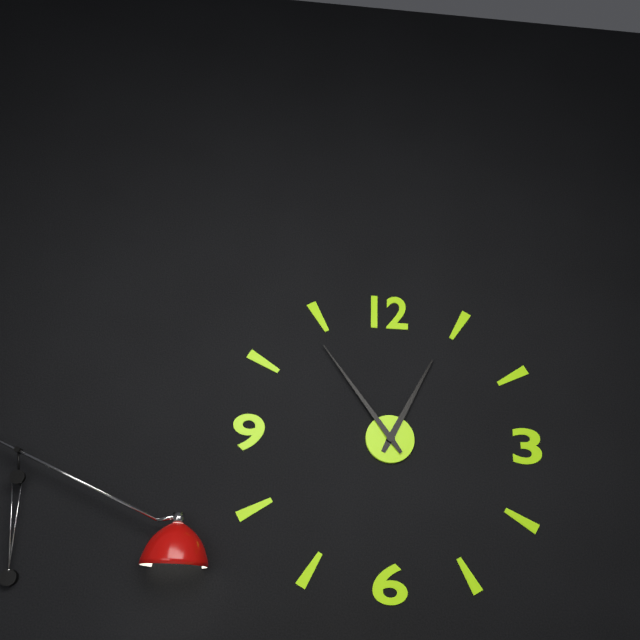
12h54
